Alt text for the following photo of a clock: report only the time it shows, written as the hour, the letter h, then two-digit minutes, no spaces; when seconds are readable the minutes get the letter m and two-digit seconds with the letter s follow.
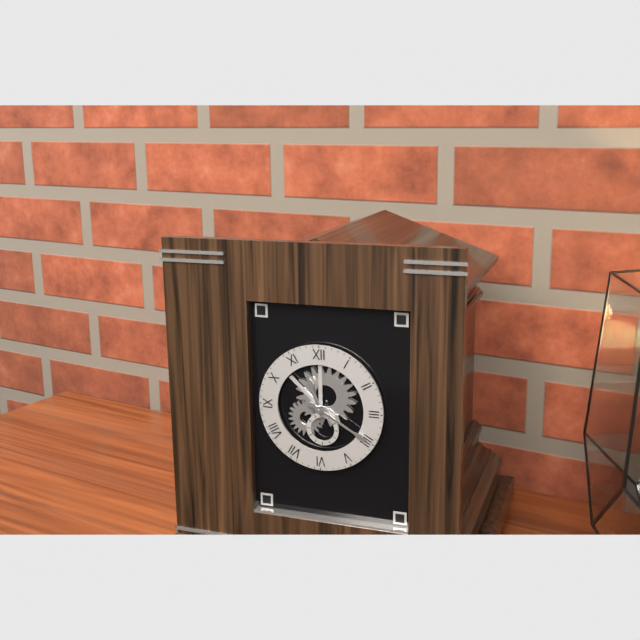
11h20
